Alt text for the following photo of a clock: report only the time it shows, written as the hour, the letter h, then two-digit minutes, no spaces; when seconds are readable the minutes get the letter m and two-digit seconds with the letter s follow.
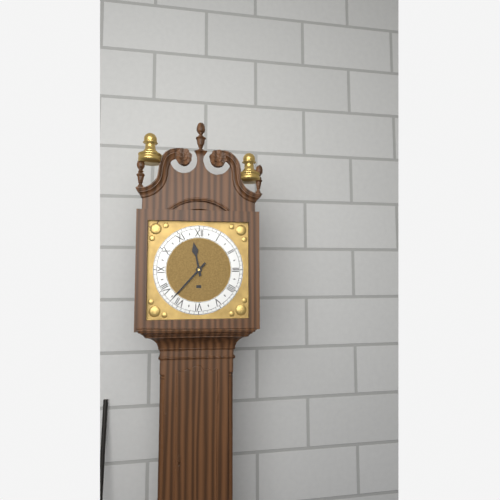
11h37
